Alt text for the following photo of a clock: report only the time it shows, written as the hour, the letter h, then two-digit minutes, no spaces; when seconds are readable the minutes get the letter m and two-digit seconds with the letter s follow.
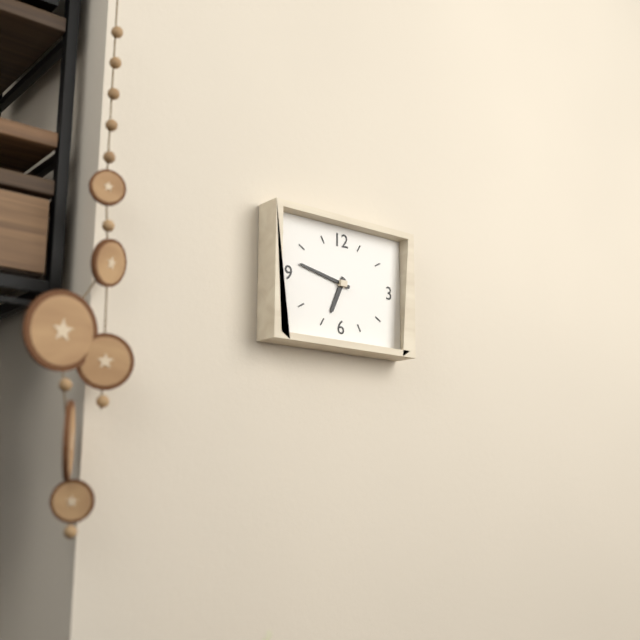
6h47
